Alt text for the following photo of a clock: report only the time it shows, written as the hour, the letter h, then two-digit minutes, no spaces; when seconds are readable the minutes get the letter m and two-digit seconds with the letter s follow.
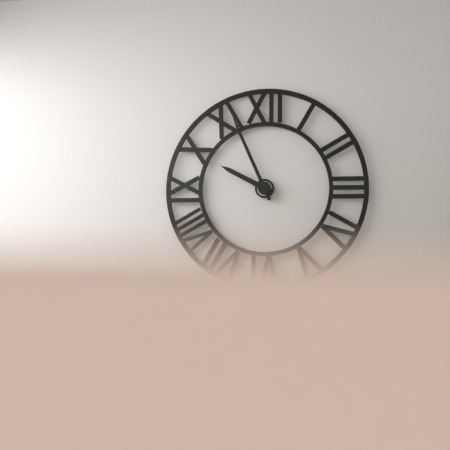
9h56
